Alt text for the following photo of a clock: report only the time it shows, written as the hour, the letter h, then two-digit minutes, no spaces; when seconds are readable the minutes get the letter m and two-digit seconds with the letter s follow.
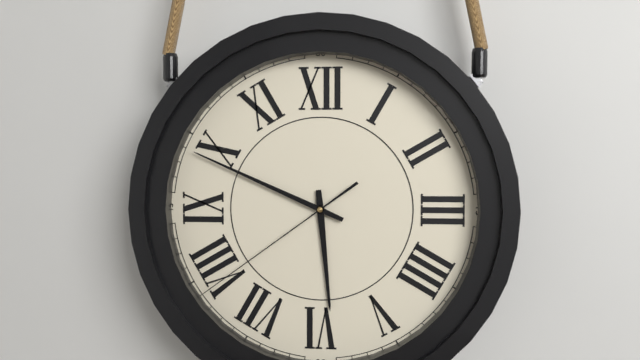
5h49m39s
